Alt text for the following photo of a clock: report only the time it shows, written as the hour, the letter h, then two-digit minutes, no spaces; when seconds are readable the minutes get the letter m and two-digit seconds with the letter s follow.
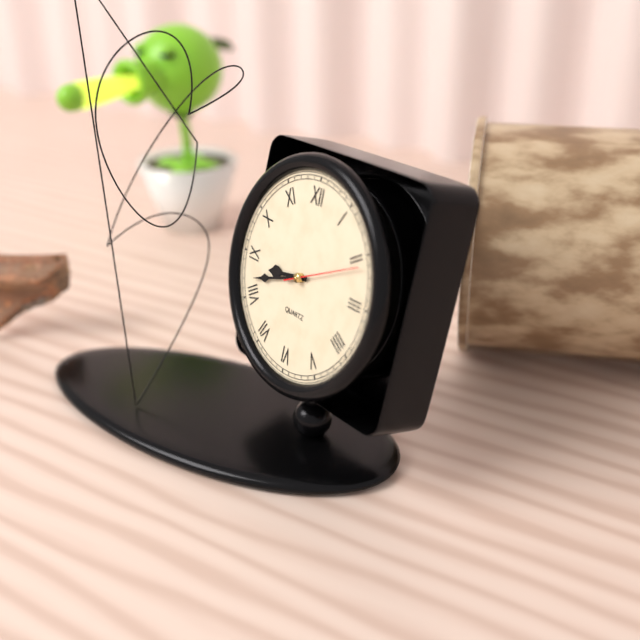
8h42
